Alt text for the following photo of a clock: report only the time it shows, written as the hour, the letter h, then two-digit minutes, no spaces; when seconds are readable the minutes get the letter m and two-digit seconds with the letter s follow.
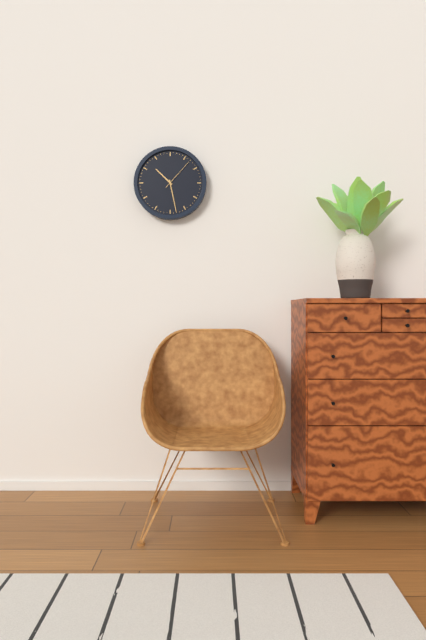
10h28
